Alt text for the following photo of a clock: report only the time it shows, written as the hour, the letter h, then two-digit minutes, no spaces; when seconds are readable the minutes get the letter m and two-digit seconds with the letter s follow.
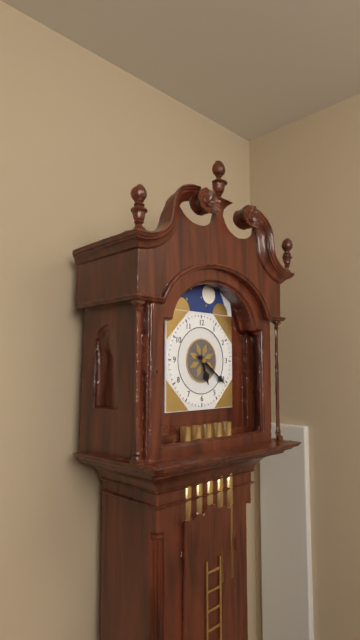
5h21
